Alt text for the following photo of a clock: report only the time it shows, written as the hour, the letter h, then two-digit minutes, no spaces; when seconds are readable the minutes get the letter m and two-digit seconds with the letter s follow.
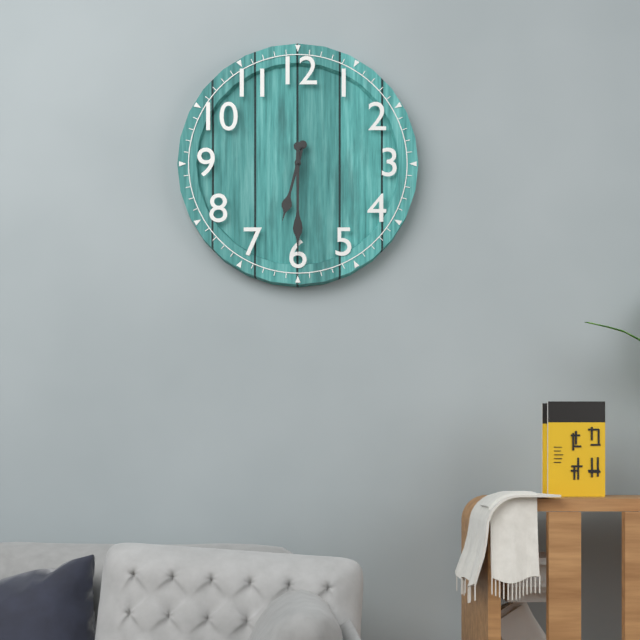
6h30
